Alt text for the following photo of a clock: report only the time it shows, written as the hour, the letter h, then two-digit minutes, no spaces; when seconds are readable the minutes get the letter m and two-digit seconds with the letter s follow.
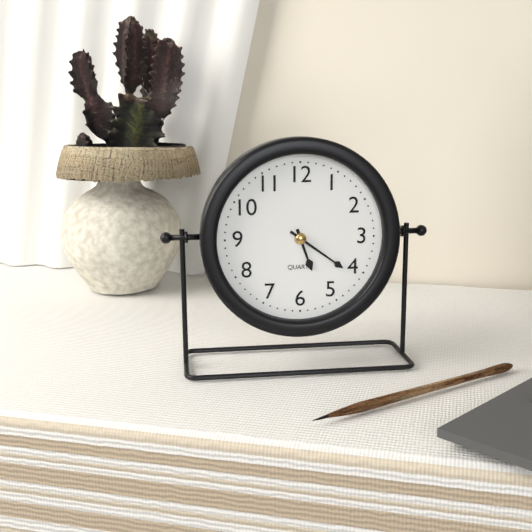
5h21
